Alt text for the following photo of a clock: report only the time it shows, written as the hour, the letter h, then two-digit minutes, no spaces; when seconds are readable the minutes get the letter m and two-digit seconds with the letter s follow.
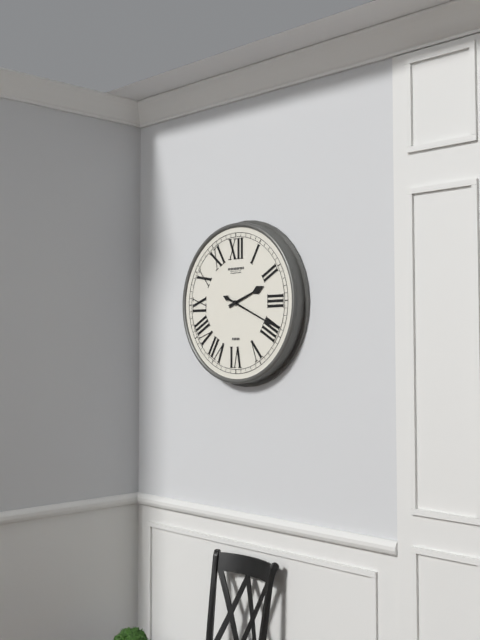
2h19
